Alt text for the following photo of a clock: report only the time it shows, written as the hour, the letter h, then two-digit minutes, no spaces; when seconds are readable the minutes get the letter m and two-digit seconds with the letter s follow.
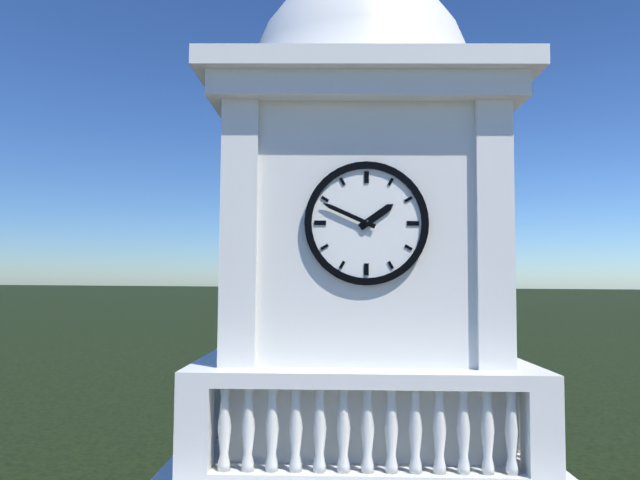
1h49
